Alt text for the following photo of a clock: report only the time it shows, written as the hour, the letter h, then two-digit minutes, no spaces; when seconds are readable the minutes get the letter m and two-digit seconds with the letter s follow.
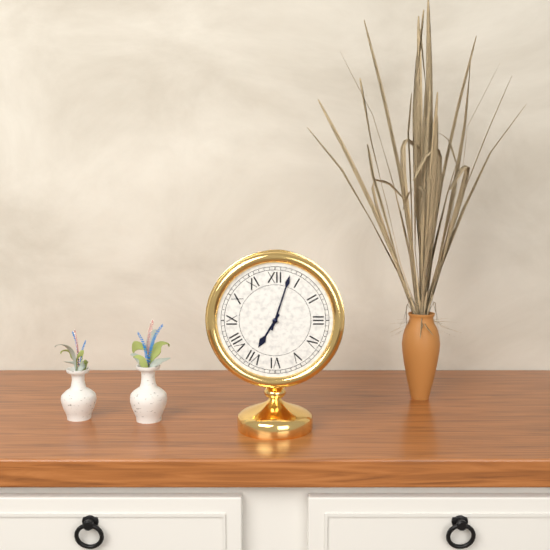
7h03
